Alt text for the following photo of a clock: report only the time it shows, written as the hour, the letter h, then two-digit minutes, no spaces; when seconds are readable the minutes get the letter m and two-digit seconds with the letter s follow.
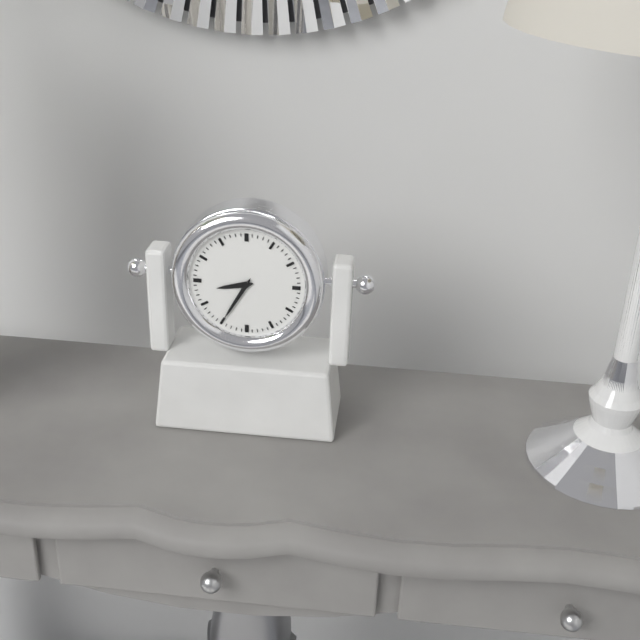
8h35
